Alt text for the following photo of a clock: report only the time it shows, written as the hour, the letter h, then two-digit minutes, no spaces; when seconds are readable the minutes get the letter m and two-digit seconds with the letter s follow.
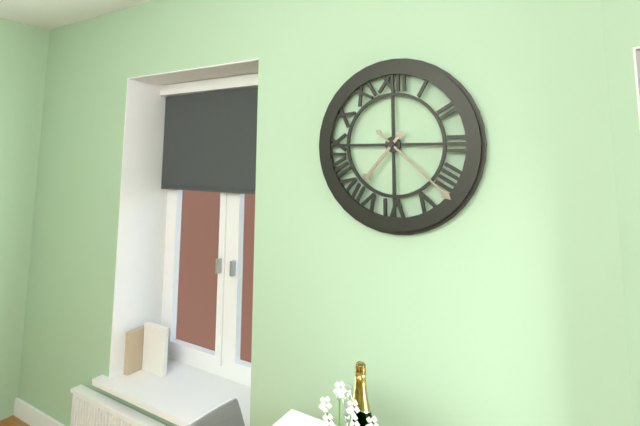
7h22
